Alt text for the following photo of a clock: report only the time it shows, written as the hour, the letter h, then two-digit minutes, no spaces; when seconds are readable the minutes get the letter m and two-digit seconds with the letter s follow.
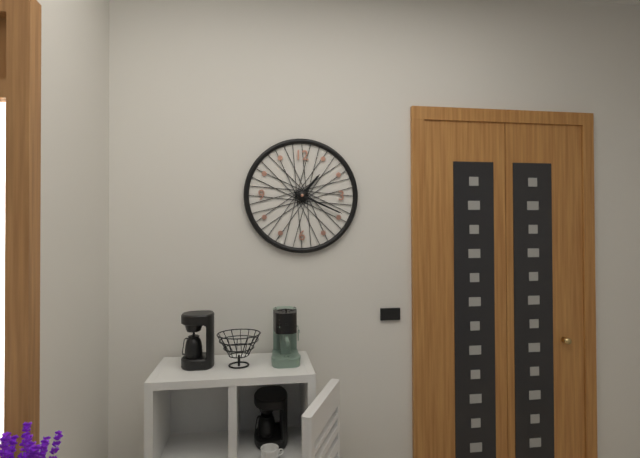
1h19
